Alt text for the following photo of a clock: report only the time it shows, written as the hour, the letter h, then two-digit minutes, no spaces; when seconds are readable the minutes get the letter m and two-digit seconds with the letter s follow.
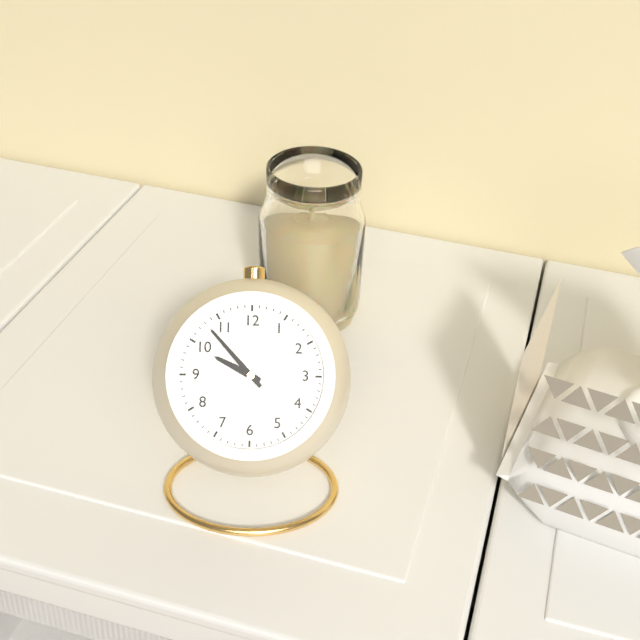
9h53
